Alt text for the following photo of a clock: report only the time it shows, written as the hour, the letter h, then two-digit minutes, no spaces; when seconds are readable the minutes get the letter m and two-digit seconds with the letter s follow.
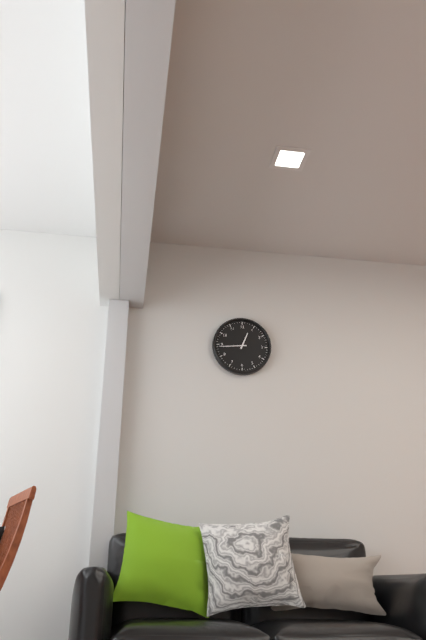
12h44
